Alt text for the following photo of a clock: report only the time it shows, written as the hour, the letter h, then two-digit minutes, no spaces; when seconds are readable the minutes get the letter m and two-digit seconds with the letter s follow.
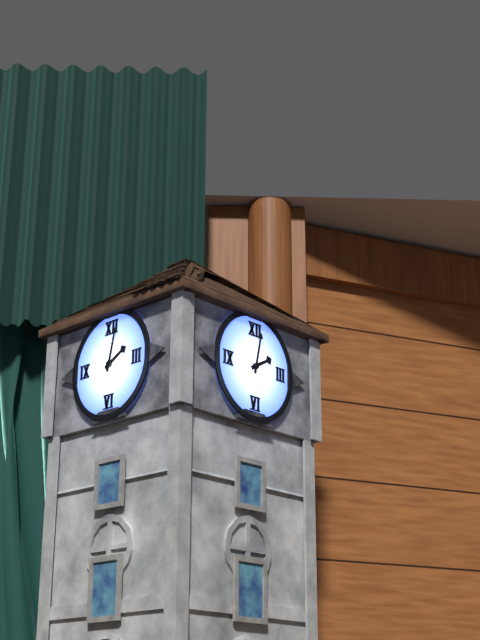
2h02
